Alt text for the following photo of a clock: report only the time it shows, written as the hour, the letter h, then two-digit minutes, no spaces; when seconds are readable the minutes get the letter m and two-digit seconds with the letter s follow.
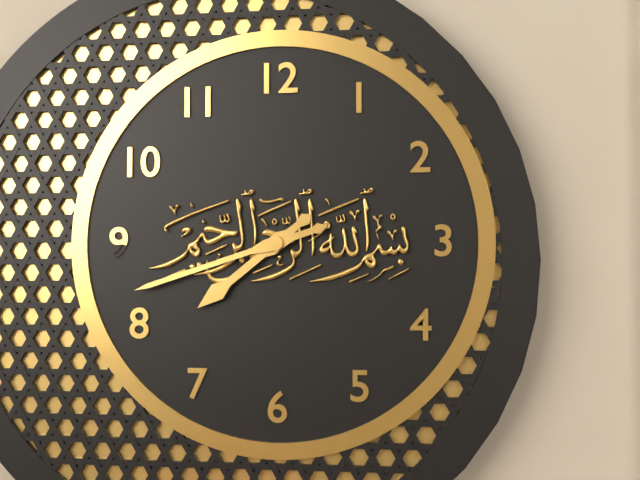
7h42
